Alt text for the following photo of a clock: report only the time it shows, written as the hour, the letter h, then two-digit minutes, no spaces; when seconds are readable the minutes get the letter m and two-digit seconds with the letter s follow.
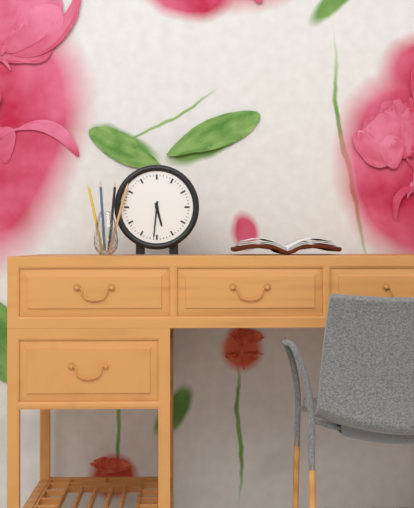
5h31
